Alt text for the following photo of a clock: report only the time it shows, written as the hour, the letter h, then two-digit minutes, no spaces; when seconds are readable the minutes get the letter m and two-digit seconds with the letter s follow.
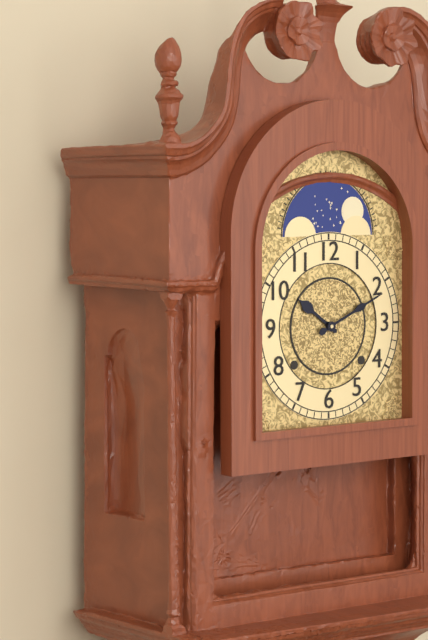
10h11
